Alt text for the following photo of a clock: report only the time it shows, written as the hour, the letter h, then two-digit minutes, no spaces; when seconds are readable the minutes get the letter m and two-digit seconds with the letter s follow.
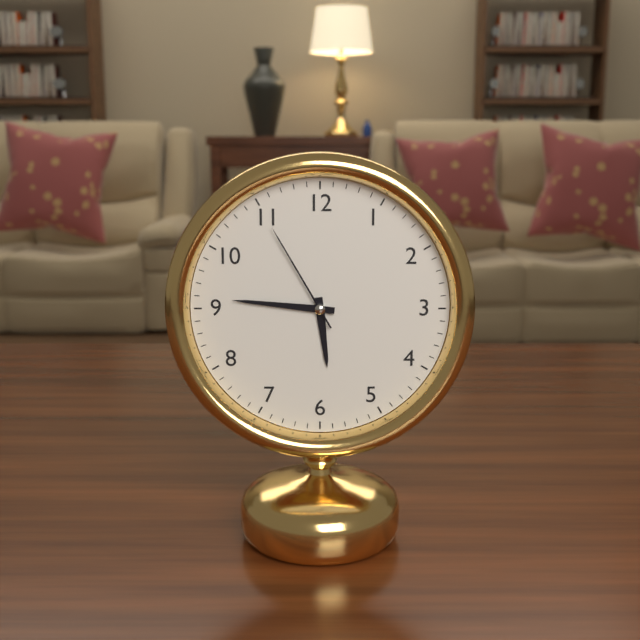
5h46m55s
